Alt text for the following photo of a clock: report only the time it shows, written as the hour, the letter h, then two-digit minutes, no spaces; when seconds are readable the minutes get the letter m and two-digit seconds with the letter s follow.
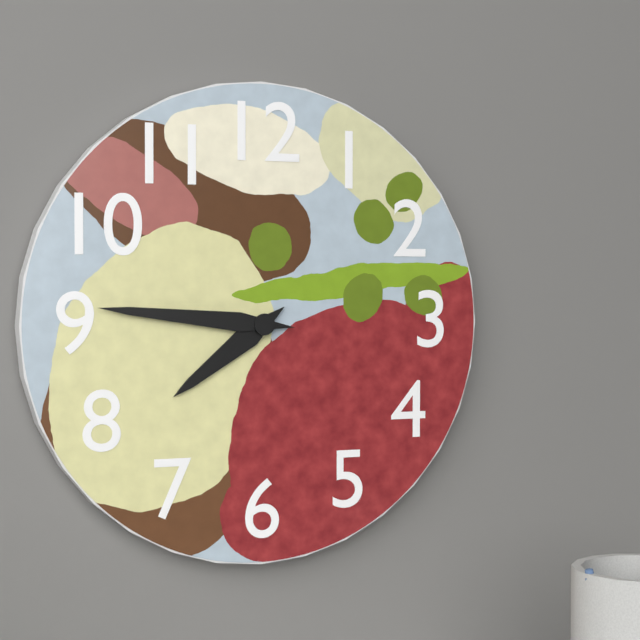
7h46
